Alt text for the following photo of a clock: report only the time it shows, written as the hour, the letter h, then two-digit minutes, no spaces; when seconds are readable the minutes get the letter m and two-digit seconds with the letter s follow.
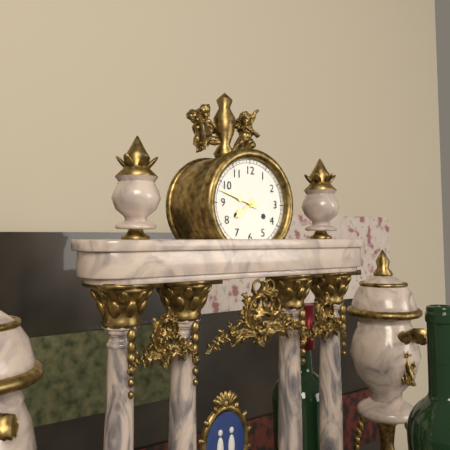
7h48
